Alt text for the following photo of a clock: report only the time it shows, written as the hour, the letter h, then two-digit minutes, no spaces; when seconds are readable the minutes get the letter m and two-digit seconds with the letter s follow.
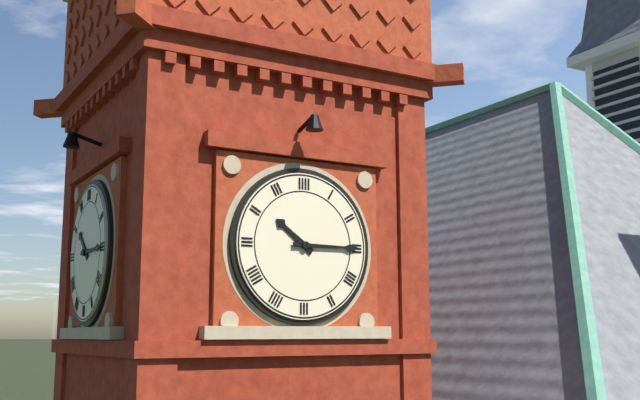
10h15
